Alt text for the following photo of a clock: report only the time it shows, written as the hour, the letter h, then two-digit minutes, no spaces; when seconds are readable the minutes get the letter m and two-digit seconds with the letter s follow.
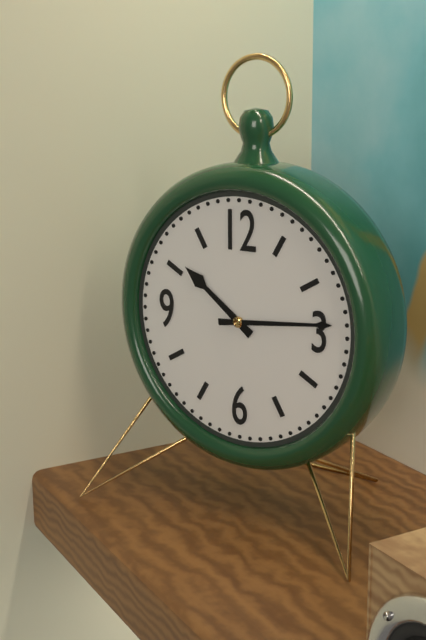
10h14
